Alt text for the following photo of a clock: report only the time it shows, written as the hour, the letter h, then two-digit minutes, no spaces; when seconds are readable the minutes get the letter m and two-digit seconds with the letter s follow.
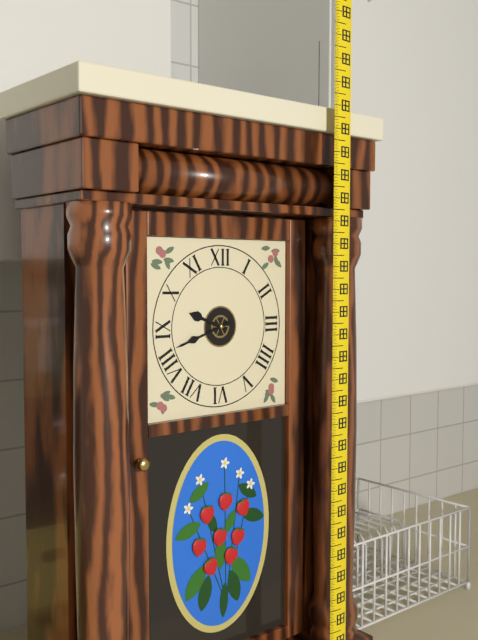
9h42
